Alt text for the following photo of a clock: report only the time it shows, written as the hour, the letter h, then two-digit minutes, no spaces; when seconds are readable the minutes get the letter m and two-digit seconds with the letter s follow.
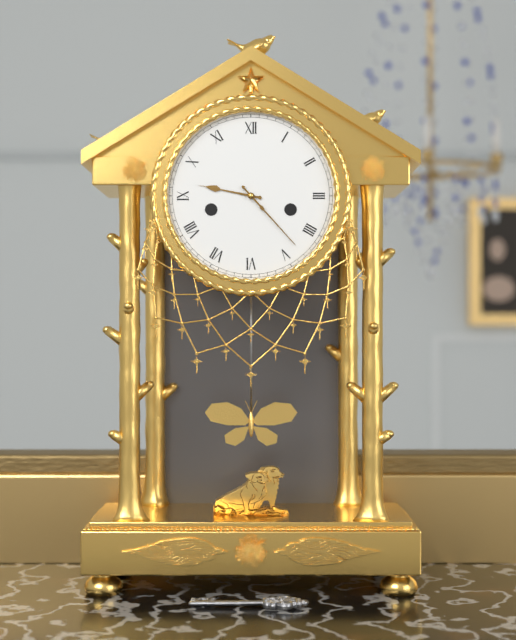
9h23
